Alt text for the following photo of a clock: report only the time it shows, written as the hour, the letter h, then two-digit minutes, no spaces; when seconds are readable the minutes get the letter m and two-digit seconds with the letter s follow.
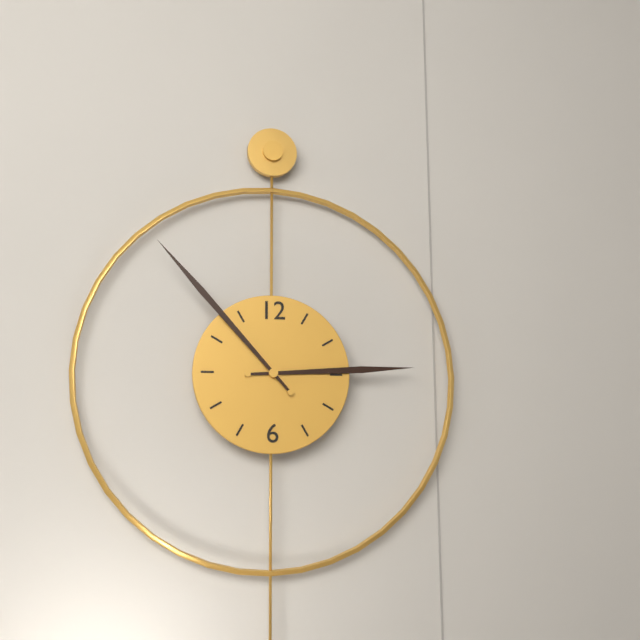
2h53
